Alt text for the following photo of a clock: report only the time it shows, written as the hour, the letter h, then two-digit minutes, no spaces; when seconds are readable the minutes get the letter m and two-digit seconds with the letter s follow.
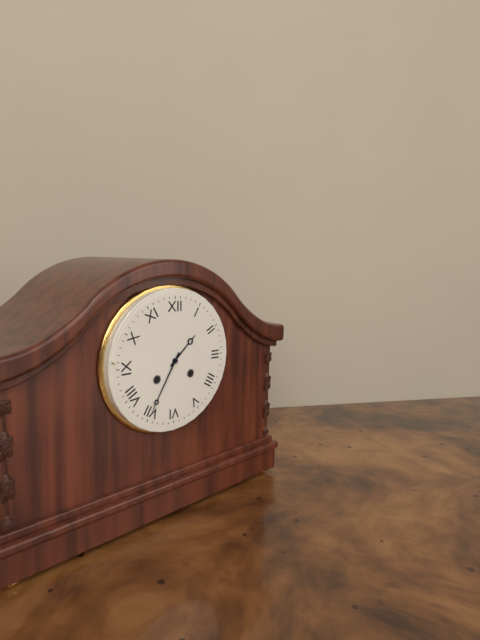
1h35
